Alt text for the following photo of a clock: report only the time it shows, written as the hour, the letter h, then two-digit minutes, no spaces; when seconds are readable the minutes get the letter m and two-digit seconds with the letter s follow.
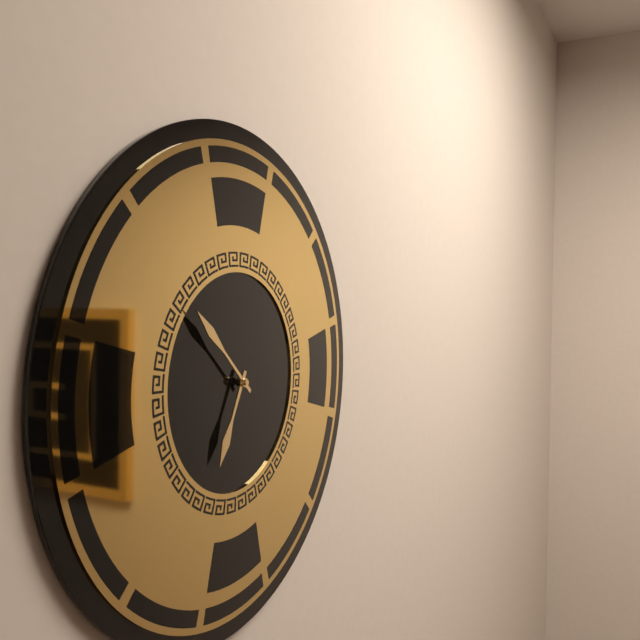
6h52
